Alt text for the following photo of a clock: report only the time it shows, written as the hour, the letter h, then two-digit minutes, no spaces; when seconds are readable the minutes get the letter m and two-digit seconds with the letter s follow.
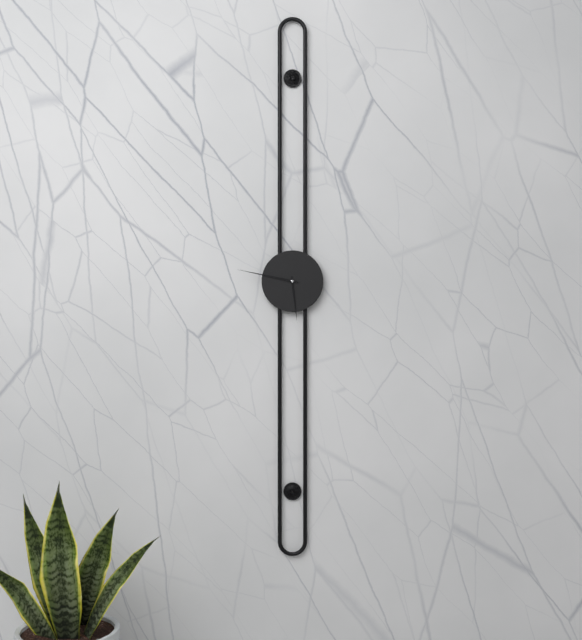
5h47
